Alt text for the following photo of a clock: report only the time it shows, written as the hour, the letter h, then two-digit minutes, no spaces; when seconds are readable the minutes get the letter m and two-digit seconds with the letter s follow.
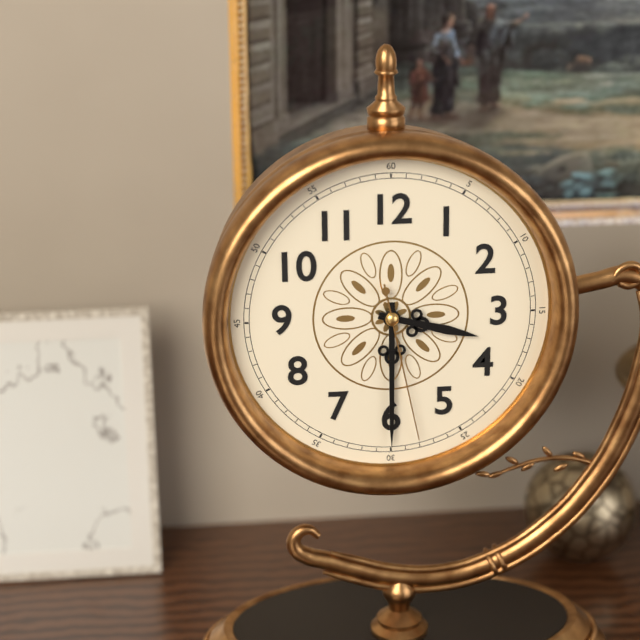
3h30m28s
